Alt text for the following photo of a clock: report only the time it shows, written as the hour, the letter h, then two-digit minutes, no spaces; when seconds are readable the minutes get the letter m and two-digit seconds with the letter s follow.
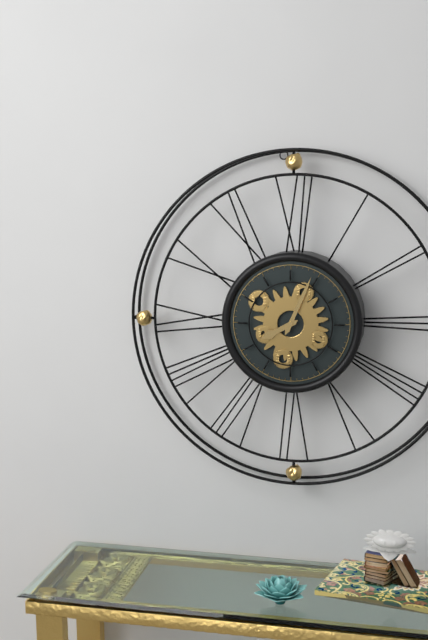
8h04
